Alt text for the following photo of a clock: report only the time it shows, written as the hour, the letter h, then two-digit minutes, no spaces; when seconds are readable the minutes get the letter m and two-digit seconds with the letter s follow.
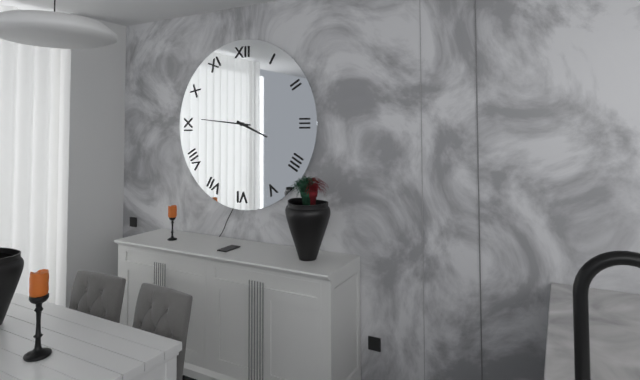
3h46
